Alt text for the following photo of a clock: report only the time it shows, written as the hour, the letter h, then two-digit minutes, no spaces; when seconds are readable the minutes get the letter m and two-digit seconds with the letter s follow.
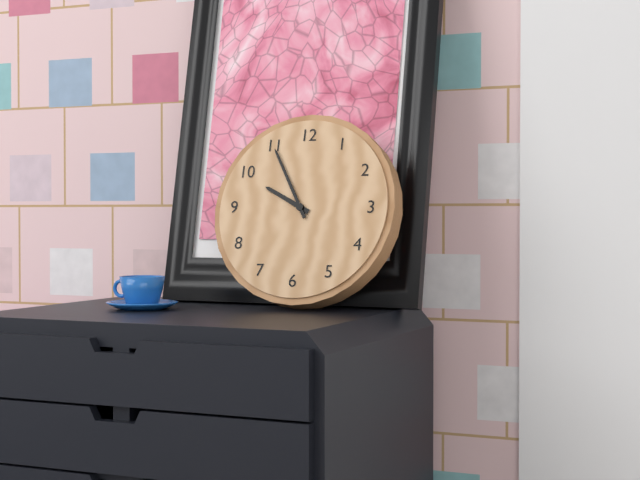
9h55
